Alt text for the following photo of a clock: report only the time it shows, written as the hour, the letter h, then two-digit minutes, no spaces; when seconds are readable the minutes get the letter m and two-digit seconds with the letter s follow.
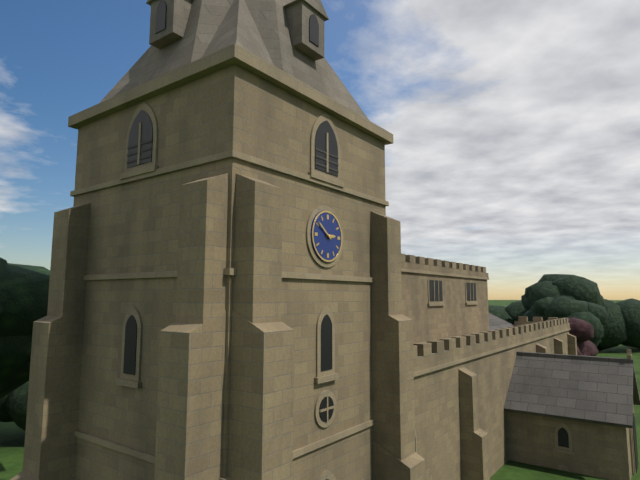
2h51
